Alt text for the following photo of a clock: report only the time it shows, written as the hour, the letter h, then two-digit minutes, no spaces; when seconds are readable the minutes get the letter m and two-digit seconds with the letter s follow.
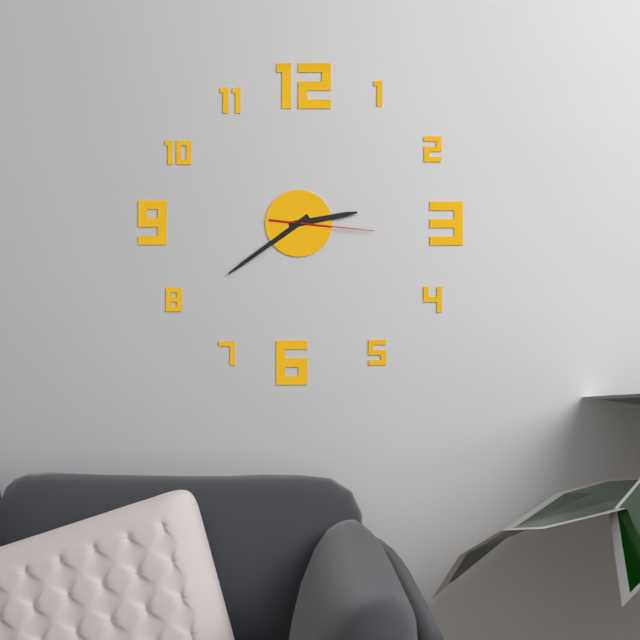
2h39m16s
